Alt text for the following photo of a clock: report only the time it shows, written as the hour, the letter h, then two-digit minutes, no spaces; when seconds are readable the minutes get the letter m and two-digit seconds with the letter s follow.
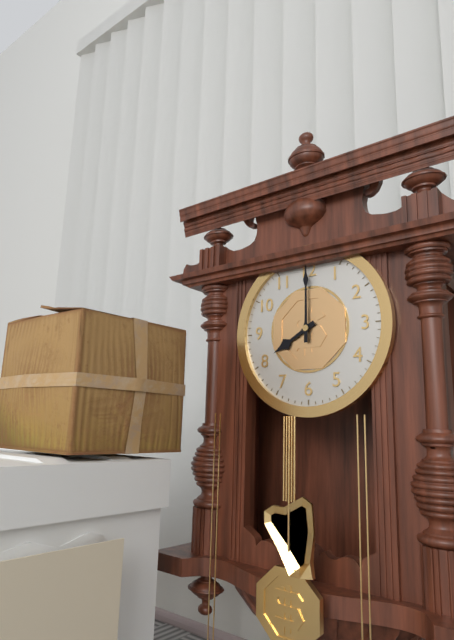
8h00
